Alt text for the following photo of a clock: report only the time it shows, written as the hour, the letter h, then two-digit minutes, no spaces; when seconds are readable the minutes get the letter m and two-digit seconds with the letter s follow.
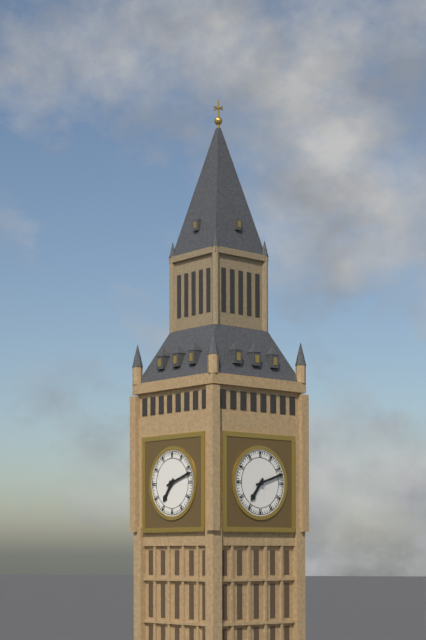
7h12
